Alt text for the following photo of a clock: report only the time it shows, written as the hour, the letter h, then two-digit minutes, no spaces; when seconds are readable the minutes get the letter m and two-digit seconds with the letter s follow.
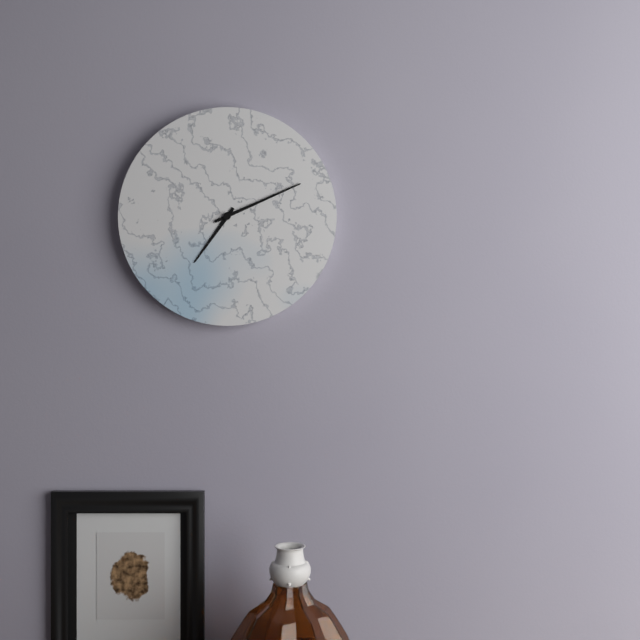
7h11
